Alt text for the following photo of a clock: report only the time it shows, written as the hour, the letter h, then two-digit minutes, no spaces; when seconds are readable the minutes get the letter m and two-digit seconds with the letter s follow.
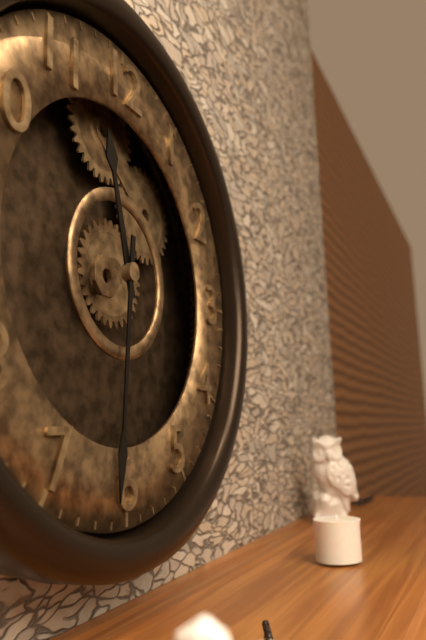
11h31
